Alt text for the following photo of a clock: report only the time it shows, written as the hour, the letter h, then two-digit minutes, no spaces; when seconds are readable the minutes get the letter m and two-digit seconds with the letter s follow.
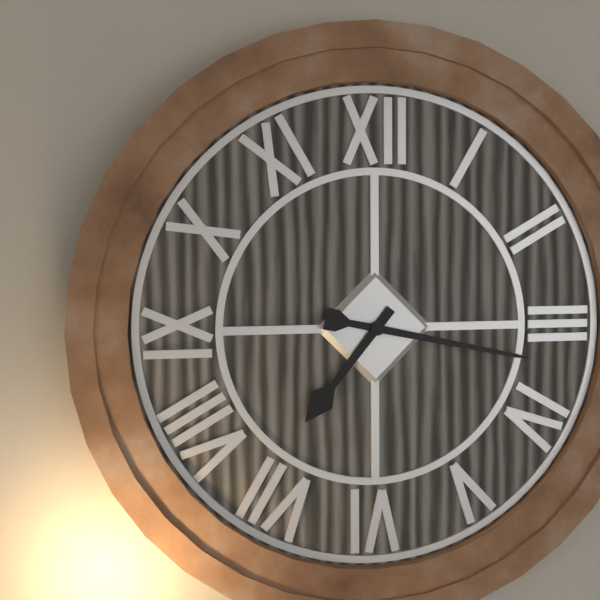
7h17
